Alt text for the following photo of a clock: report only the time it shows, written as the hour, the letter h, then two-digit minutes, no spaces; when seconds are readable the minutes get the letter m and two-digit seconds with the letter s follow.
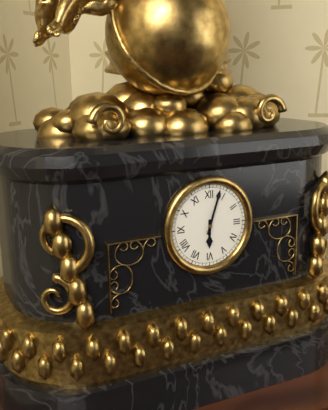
6h03
